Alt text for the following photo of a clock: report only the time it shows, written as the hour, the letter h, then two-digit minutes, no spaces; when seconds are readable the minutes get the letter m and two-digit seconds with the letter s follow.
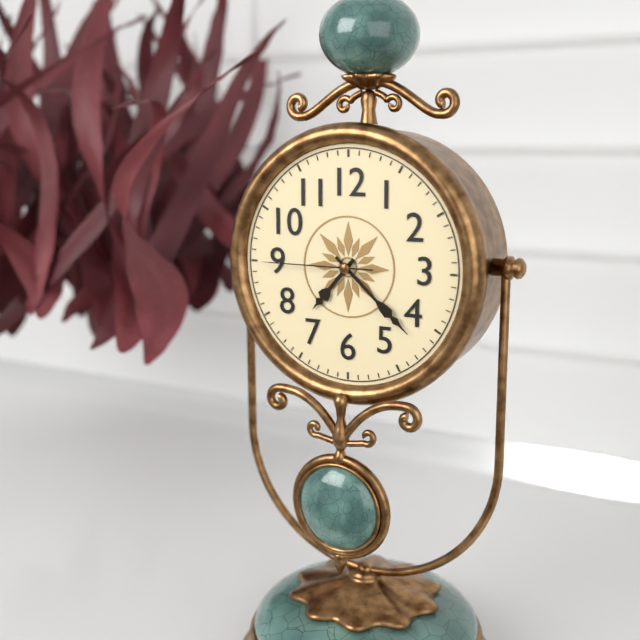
7h22m45s
